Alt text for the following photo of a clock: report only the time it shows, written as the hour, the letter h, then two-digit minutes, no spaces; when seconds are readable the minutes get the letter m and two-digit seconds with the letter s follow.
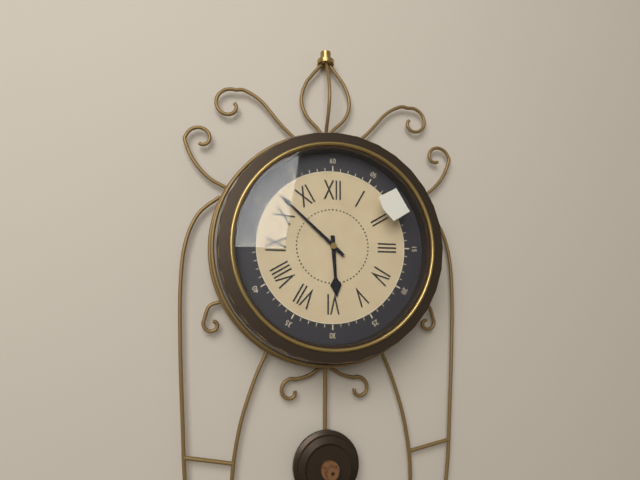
5h52
